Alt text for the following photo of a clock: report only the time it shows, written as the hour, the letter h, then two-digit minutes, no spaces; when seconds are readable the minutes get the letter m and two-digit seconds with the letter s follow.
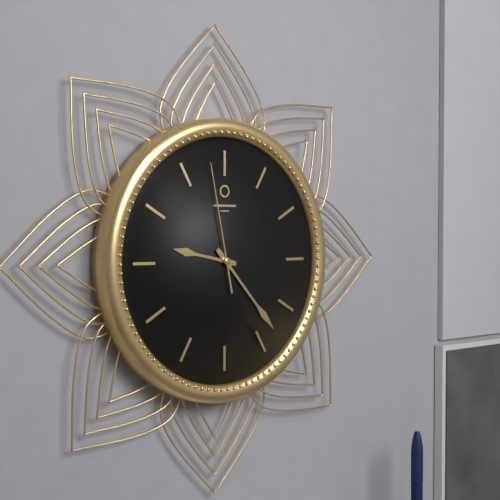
9h23m58s
